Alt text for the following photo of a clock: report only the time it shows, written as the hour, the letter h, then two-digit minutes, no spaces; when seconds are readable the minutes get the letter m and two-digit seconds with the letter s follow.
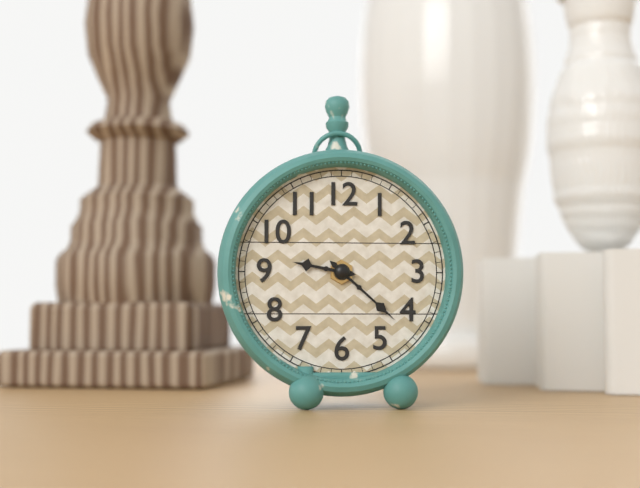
9h22
